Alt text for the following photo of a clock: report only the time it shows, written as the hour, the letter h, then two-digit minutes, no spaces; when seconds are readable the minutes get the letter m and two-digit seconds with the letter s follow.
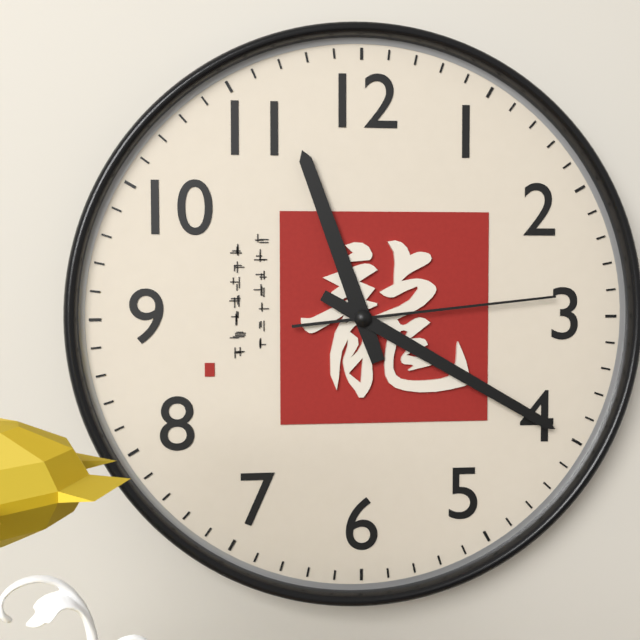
11h20m14s
